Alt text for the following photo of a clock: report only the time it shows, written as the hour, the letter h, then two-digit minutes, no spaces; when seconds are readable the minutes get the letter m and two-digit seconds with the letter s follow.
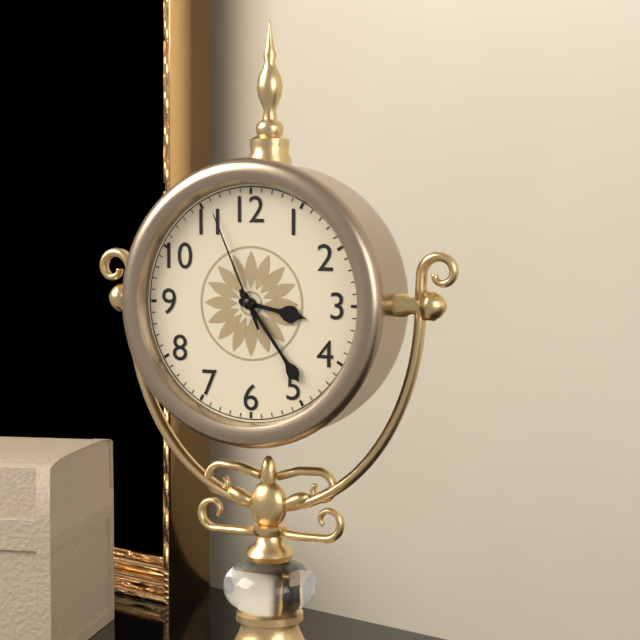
3h24m56s
